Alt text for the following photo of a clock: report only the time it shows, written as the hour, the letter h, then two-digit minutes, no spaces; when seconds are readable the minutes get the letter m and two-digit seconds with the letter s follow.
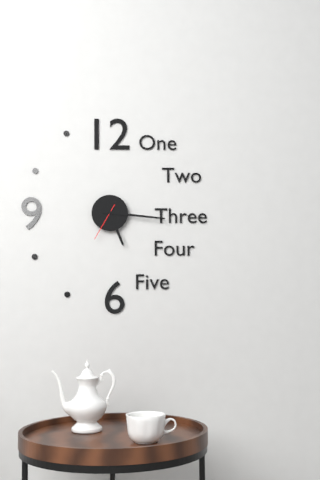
5h16
